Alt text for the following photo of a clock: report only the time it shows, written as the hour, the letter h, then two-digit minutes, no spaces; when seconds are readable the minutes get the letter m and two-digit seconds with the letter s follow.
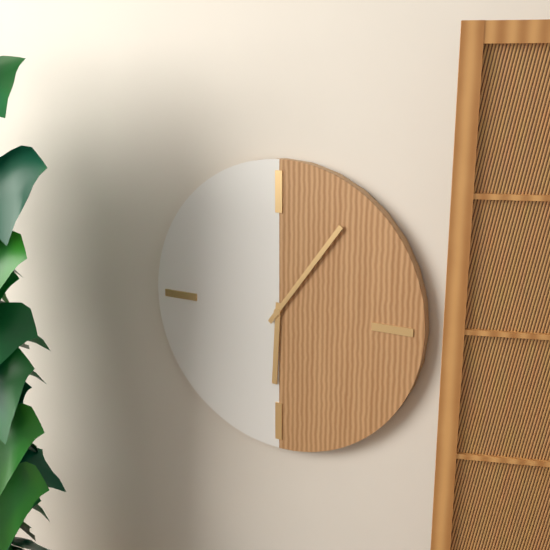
6h06
